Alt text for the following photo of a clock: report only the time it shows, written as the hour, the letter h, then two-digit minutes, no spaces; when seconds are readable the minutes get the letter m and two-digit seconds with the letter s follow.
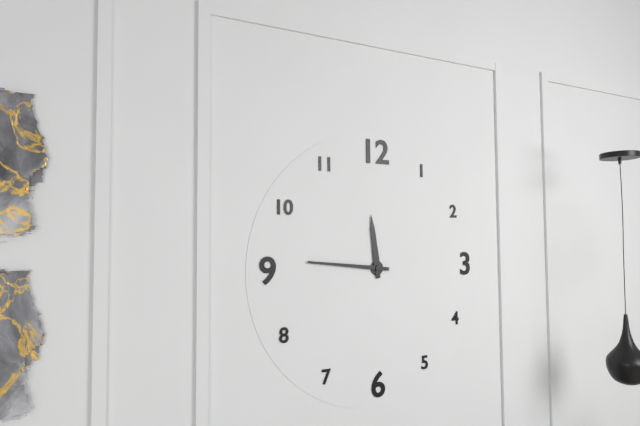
11h46
